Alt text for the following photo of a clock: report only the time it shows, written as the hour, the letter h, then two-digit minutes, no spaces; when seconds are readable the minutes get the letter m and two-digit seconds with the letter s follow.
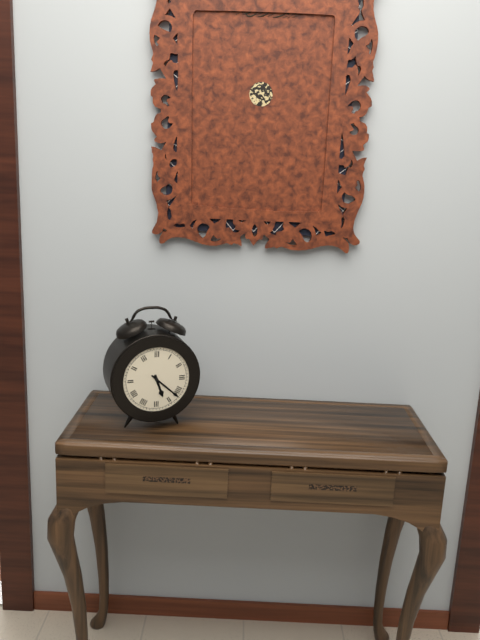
5h22
